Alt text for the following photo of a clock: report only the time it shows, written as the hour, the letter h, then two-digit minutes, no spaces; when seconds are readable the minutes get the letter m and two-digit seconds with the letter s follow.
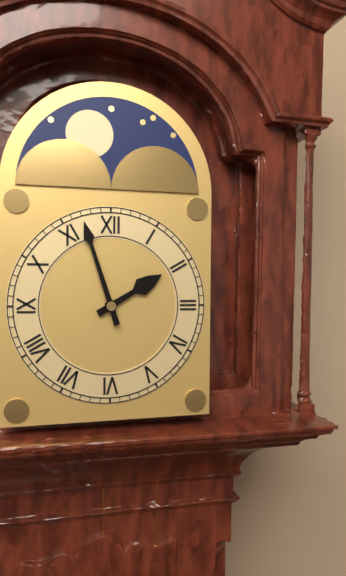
1h57
